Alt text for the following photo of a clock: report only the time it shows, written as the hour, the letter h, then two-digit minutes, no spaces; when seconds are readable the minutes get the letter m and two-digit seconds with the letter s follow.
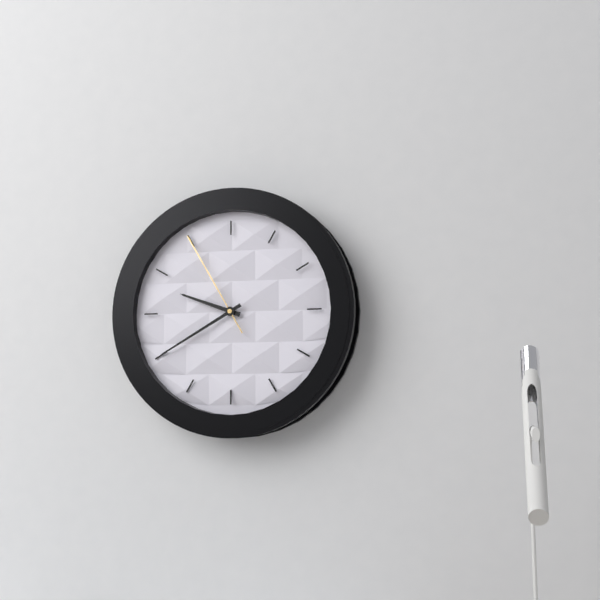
9h40m55s
